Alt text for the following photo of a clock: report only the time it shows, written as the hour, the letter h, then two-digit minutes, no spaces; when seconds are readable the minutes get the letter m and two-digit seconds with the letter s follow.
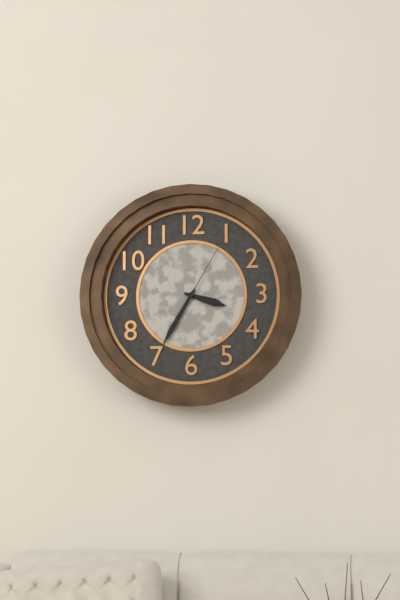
3h35m05s
